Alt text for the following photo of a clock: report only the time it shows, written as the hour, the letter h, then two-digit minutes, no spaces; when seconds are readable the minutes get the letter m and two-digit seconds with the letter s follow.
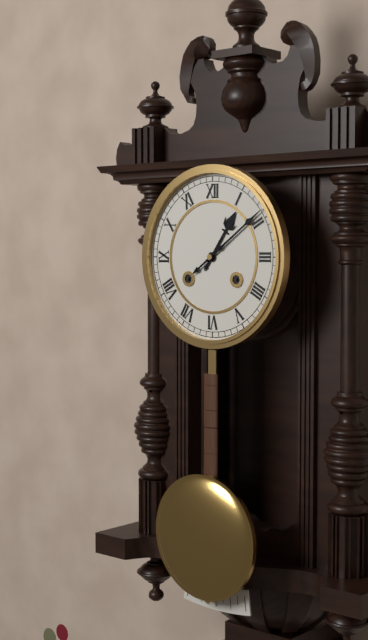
1h09
